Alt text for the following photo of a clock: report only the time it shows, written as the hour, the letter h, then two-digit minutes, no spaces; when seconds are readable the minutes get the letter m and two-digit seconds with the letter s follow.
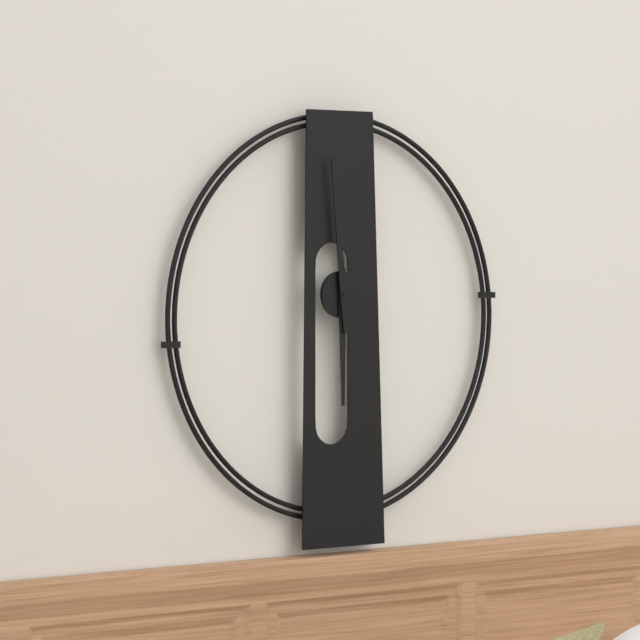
5h59
